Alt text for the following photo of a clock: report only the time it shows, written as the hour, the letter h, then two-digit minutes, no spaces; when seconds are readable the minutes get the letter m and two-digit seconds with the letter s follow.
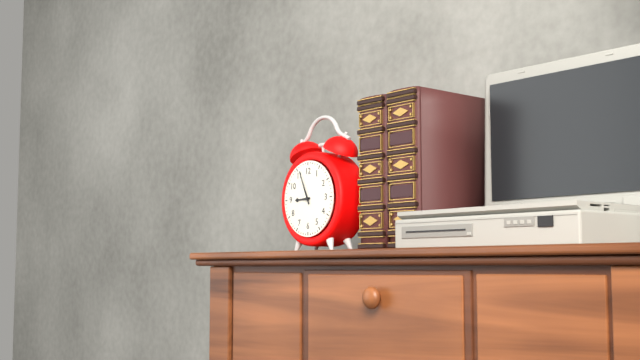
8h56
